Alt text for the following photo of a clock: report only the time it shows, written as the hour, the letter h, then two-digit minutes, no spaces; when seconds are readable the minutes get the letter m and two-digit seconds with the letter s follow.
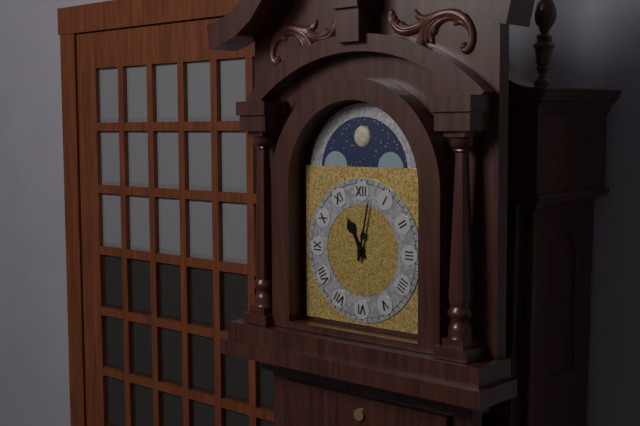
11h02
